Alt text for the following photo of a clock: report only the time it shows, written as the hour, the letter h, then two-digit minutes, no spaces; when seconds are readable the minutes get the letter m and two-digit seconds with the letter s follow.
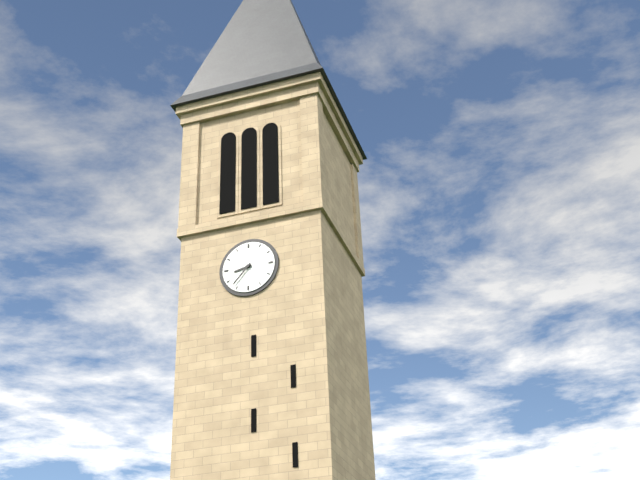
8h37
